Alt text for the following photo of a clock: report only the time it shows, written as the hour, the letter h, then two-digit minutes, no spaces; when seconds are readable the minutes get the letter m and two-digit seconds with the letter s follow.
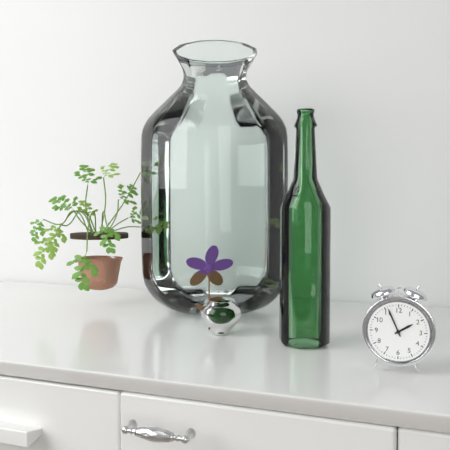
1h56
